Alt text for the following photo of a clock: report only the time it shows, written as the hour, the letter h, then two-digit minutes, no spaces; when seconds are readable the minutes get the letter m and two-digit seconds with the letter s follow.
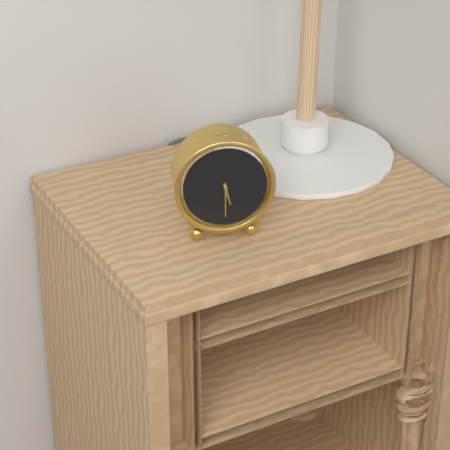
5h30
